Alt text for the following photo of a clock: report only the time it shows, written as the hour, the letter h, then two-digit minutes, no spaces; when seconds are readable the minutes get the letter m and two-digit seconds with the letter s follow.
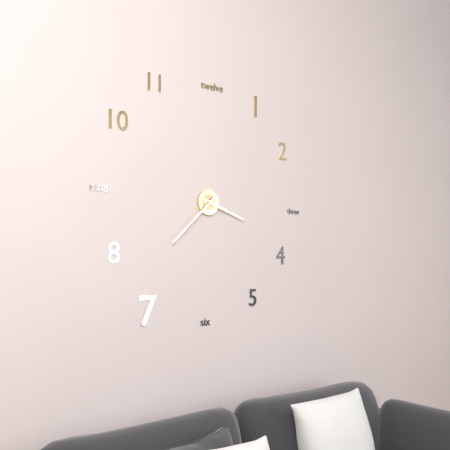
3h38
